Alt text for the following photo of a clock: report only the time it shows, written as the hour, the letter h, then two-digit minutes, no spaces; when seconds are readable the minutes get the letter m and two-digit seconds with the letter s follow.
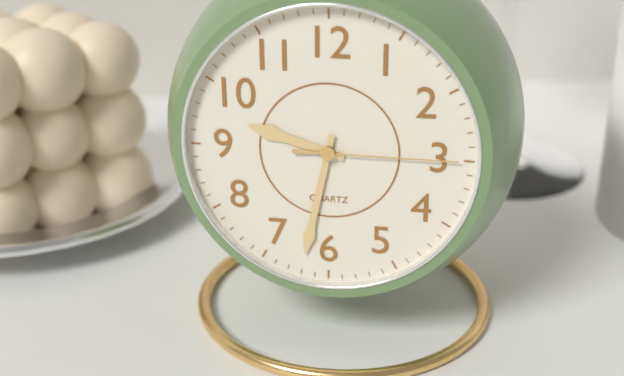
9h32m15s
